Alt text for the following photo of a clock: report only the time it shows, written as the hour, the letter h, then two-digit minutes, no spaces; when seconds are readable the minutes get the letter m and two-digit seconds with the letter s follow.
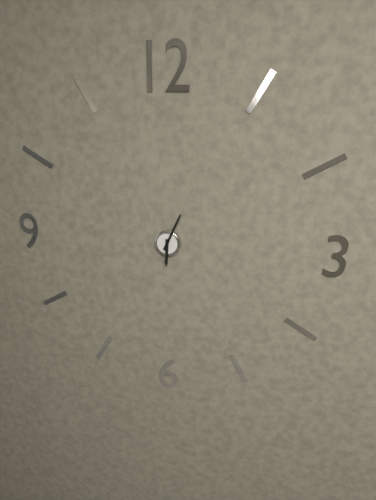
6h04
